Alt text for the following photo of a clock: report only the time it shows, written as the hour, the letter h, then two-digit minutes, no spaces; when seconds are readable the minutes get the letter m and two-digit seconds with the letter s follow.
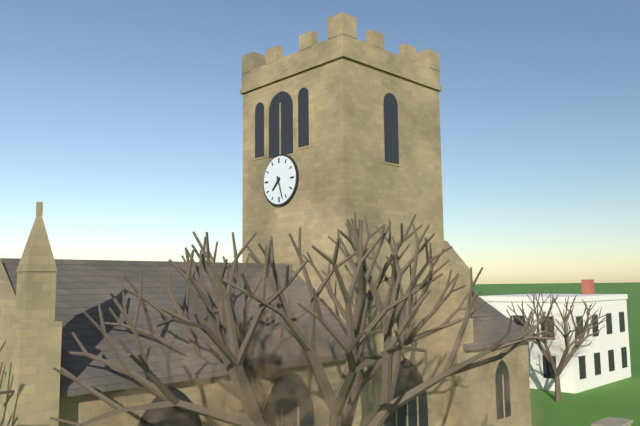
7h27
